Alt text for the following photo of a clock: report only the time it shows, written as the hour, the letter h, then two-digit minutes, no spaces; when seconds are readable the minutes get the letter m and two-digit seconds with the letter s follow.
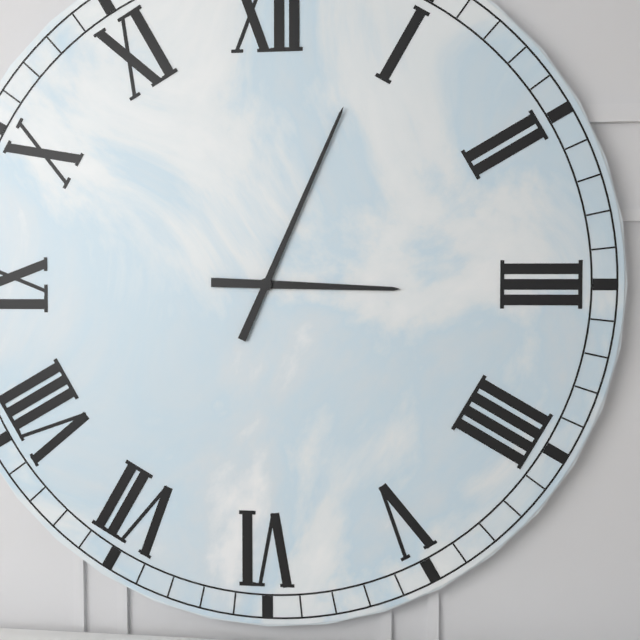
3h04
